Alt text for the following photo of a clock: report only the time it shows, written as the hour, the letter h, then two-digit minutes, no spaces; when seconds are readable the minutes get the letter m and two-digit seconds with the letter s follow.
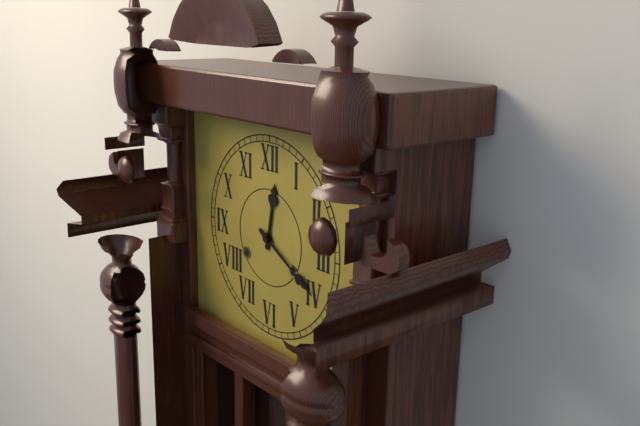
12h20
